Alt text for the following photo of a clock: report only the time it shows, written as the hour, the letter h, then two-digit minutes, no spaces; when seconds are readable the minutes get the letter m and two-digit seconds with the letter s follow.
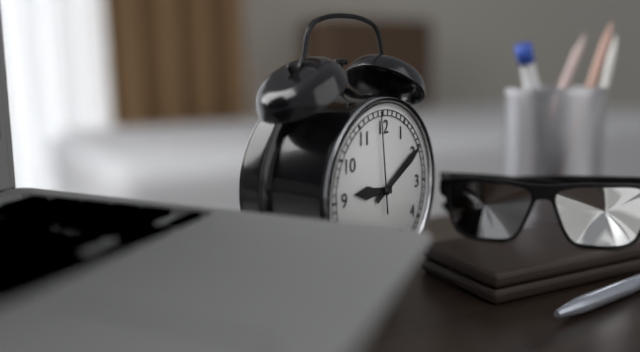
9h10m59s
